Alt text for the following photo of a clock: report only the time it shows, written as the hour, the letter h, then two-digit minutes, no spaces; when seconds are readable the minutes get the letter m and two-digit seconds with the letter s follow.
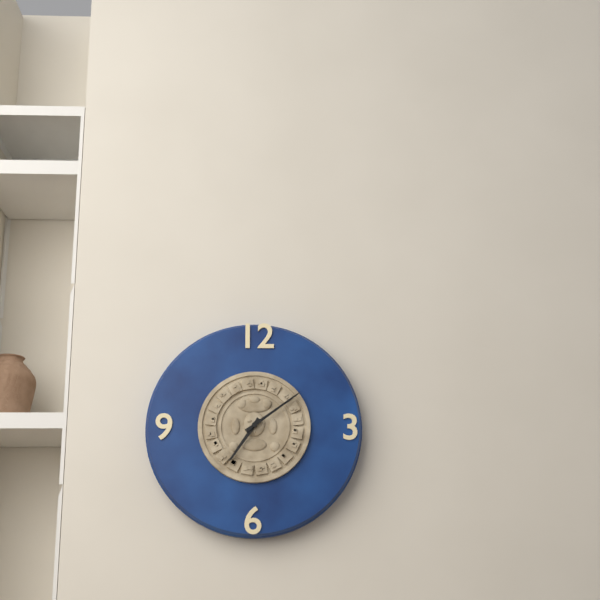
7h09
